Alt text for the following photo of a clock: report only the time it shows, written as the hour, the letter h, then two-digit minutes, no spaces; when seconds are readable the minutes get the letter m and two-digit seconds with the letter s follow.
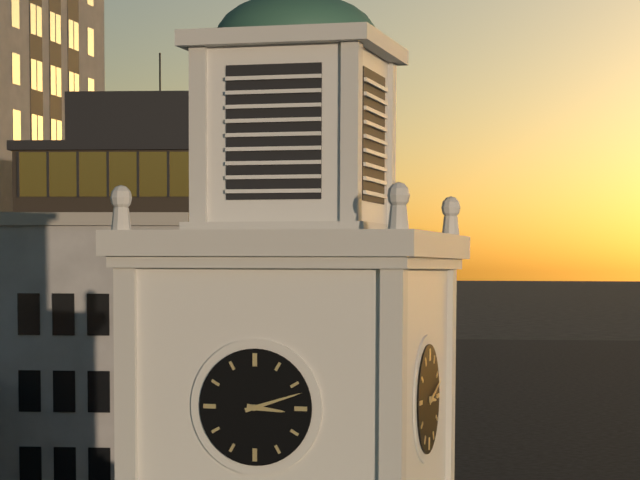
3h12
